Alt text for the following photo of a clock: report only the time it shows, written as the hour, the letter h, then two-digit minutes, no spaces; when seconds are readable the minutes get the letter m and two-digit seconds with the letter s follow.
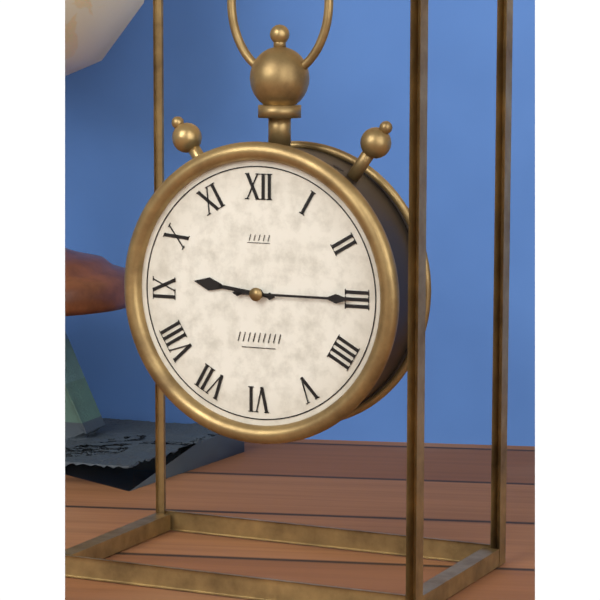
9h15
